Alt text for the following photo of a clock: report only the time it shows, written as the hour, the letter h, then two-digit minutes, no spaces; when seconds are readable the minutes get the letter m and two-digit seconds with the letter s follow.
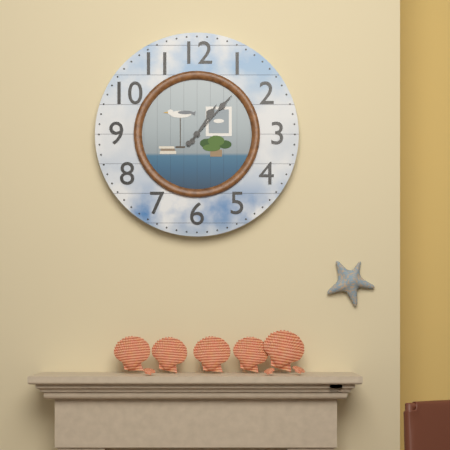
1h07
